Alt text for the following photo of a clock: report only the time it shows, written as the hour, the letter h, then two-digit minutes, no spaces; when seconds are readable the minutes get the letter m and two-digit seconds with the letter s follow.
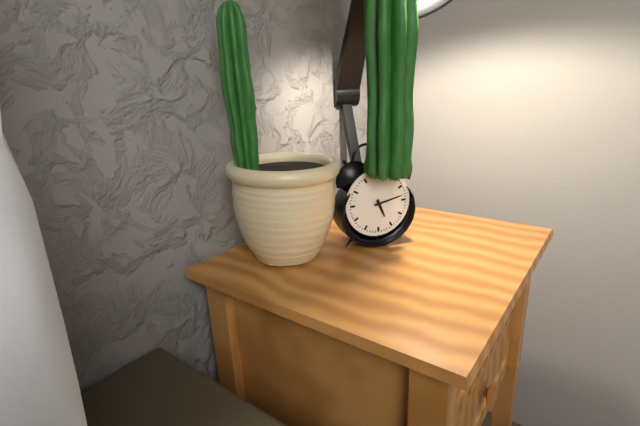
5h13
